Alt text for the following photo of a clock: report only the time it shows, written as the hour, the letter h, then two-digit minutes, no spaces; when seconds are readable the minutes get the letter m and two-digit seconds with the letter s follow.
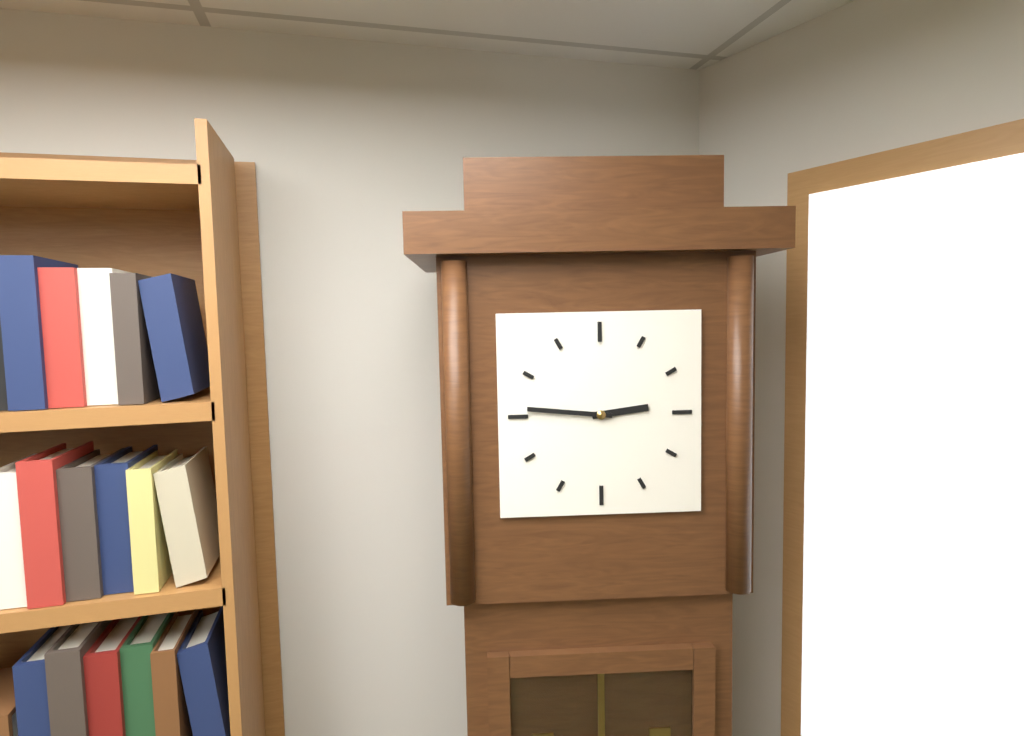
2h46
